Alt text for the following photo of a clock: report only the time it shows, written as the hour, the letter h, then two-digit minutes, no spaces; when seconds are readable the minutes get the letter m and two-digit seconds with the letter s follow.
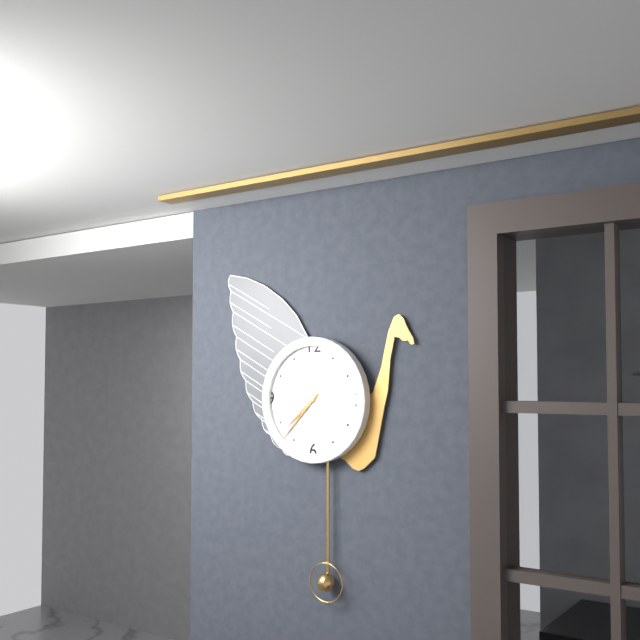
7h37
